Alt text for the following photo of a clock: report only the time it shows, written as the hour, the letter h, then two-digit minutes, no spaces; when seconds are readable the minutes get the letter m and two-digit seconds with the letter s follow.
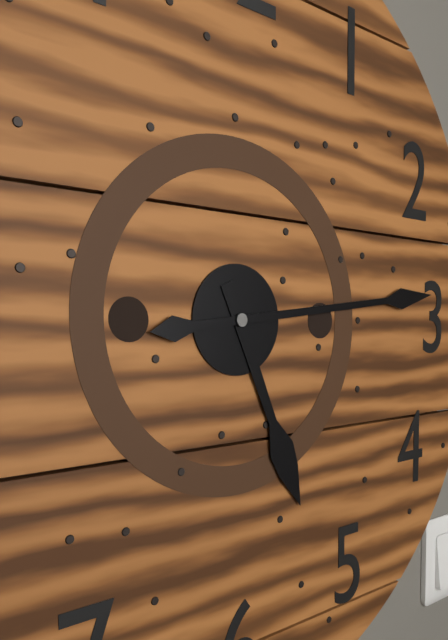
5h14
